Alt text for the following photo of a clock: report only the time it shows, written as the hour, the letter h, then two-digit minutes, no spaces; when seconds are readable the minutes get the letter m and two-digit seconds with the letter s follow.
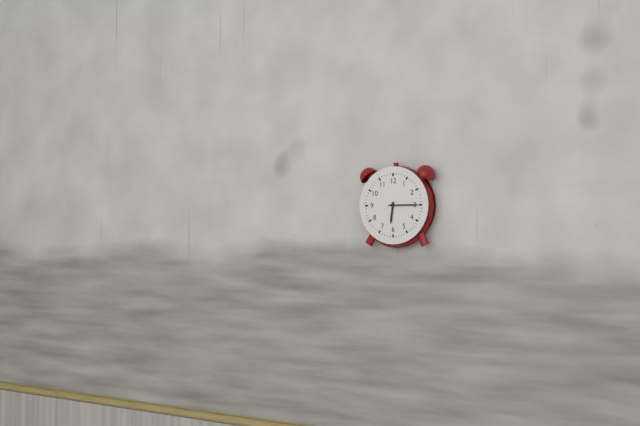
6h15
